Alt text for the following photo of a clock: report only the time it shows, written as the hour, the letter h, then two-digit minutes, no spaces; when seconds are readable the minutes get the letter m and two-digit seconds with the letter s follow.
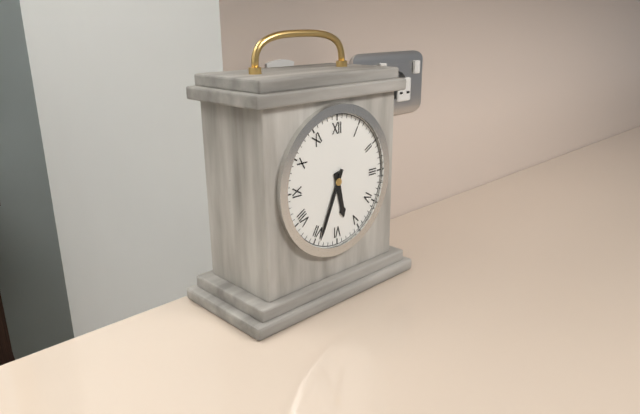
5h34
